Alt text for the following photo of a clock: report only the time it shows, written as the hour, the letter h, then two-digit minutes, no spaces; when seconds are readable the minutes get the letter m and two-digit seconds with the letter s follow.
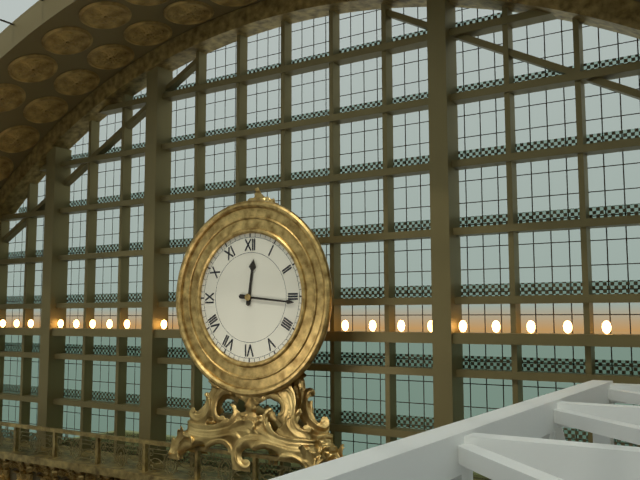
12h16
